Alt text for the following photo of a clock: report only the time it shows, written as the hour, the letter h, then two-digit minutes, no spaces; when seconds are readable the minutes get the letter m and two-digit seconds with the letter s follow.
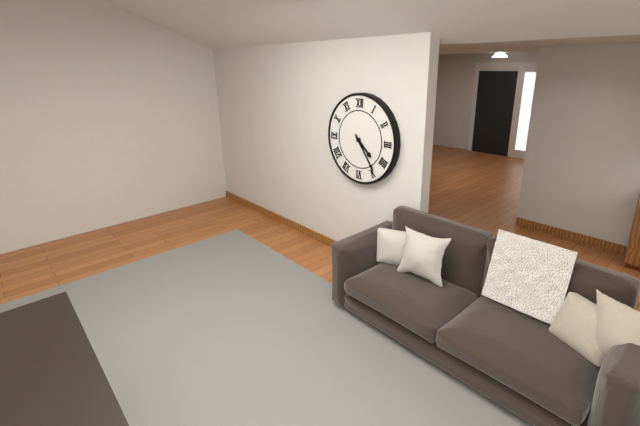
4h24
